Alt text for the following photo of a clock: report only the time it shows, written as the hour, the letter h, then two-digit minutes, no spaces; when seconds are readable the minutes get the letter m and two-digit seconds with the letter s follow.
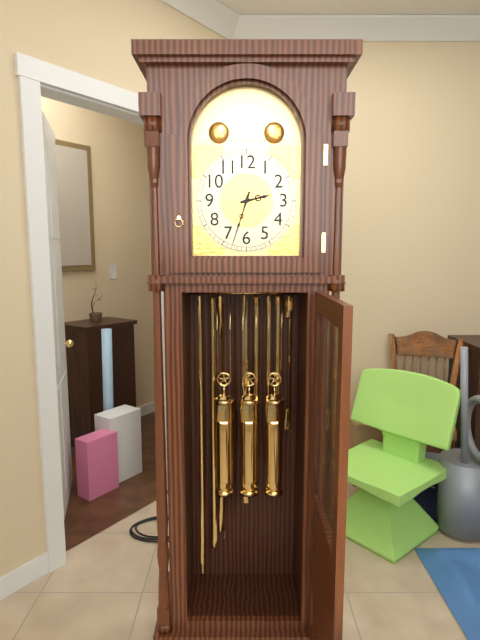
2h33
